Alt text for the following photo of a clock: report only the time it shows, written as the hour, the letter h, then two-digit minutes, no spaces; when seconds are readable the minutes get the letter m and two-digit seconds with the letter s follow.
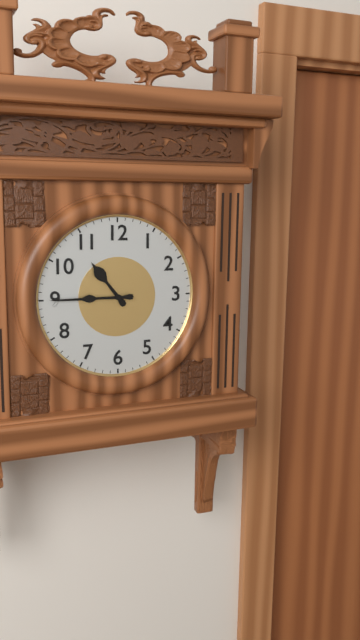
10h45
